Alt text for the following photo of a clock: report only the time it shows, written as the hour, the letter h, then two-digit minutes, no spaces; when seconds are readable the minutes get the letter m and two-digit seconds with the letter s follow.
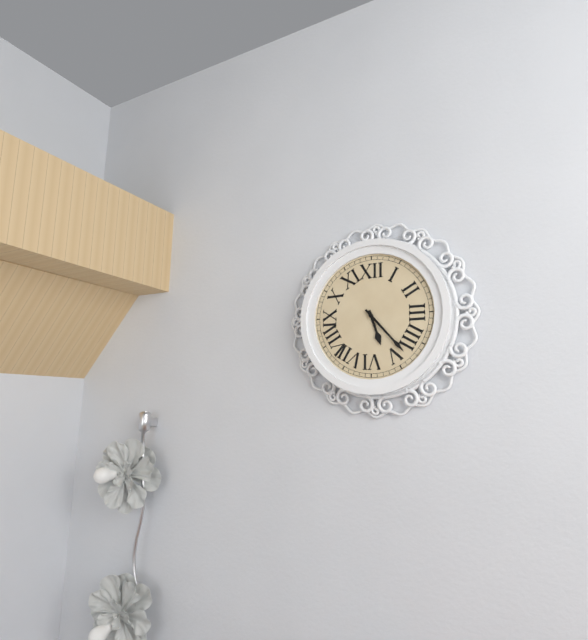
5h23
